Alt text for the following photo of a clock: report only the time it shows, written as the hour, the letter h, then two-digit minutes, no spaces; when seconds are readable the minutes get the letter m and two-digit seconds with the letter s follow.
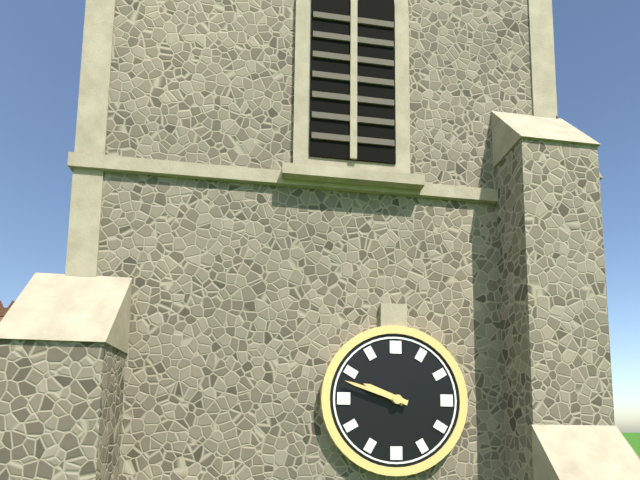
9h48
